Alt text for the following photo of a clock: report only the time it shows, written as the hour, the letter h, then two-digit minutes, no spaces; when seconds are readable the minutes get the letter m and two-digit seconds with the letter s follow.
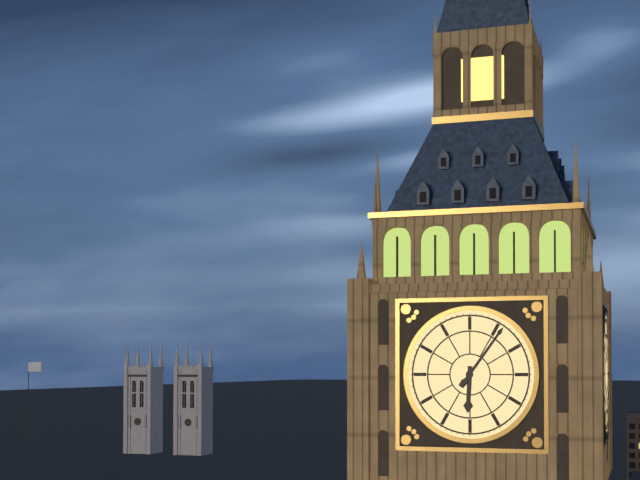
6h06
